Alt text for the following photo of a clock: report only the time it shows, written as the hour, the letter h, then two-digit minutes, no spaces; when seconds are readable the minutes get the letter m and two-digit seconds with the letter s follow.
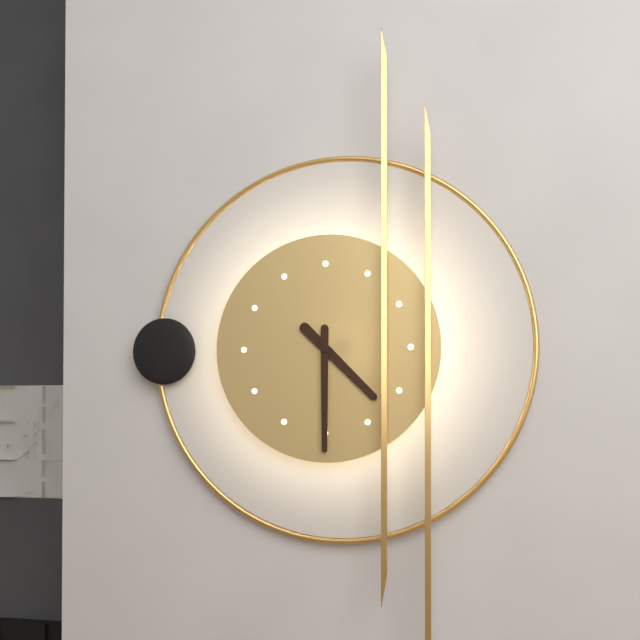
4h30
